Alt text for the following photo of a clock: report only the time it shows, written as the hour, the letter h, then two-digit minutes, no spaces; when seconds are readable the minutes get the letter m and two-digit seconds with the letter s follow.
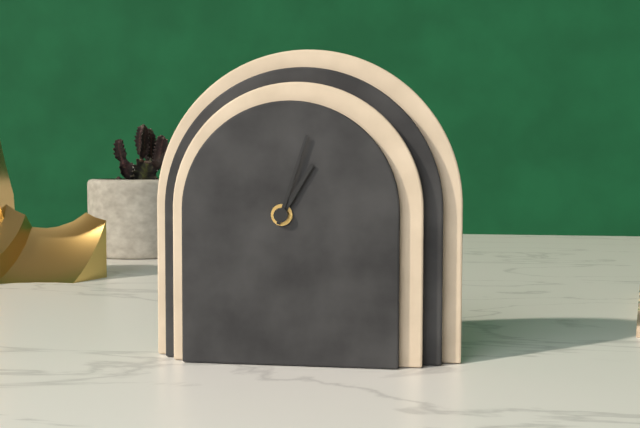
1h03
